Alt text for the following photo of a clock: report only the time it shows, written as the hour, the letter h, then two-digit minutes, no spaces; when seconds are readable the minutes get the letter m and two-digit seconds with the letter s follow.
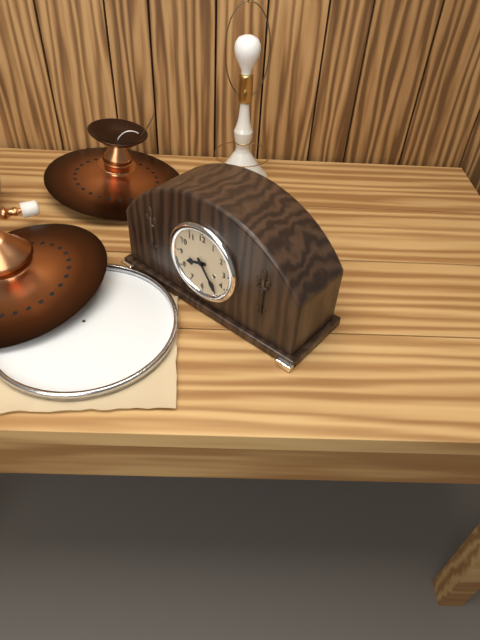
8h24
